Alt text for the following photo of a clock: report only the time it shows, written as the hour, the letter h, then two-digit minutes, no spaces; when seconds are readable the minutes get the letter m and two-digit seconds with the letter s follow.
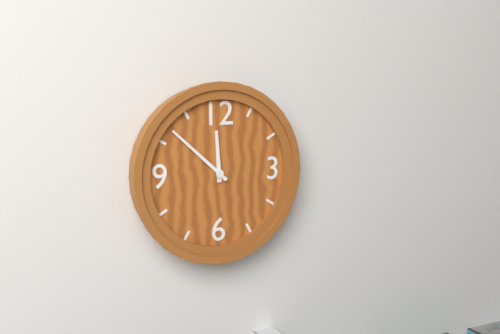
11h52
